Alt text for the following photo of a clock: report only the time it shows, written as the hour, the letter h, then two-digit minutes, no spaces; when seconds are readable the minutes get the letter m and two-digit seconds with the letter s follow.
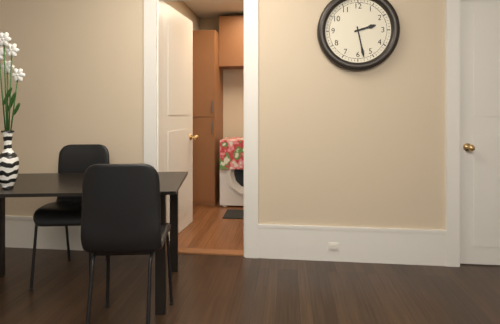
2h28
